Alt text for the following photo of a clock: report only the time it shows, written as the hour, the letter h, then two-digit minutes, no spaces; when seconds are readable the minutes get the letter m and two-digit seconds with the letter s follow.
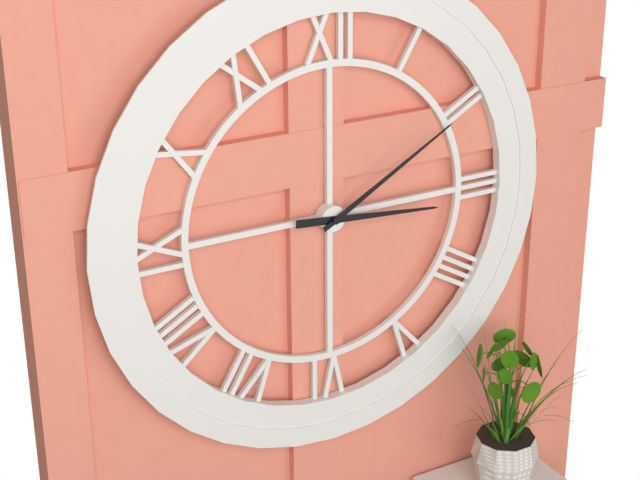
3h10
